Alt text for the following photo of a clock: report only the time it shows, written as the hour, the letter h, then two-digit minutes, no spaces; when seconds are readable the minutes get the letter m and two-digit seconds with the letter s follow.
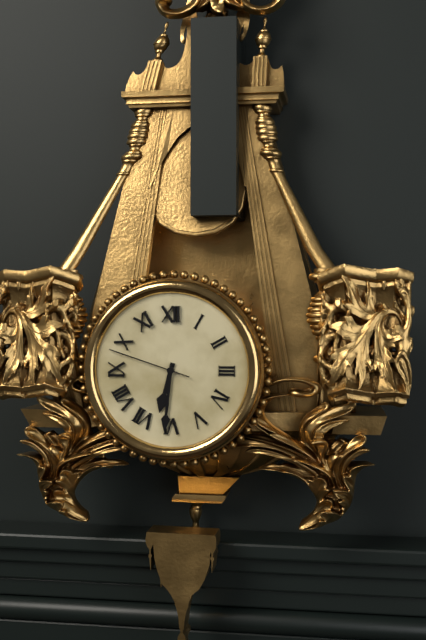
6h31m48s
